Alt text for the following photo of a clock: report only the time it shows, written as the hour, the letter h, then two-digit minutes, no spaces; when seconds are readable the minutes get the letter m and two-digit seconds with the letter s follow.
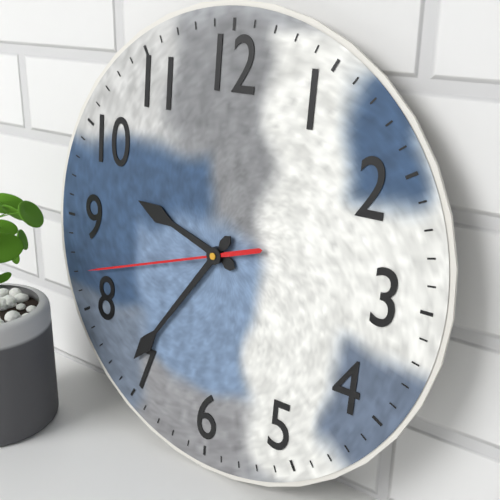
9h36m42s
